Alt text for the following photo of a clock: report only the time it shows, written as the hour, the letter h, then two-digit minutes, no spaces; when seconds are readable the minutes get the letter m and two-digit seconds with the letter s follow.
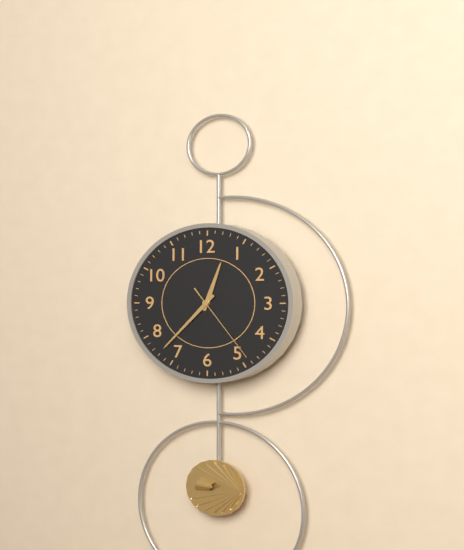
12h37m24s
